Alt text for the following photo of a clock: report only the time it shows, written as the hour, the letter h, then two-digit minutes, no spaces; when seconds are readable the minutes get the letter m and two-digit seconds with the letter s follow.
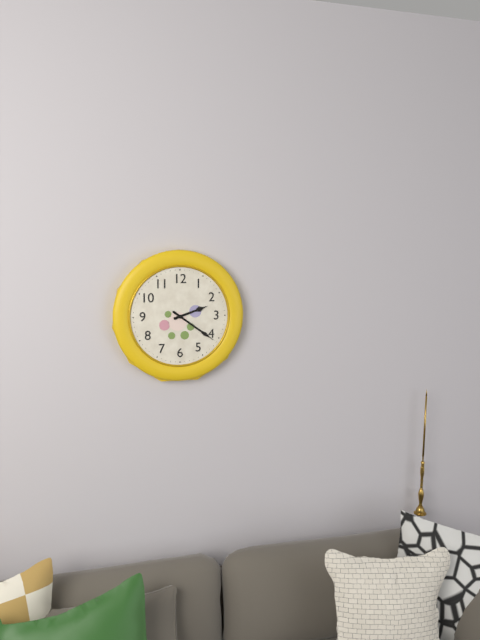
2h21
